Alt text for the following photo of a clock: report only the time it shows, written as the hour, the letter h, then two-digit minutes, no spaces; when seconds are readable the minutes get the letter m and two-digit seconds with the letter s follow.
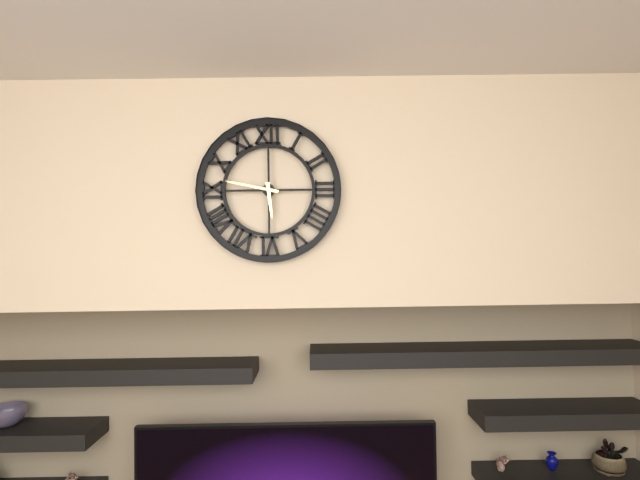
5h47
